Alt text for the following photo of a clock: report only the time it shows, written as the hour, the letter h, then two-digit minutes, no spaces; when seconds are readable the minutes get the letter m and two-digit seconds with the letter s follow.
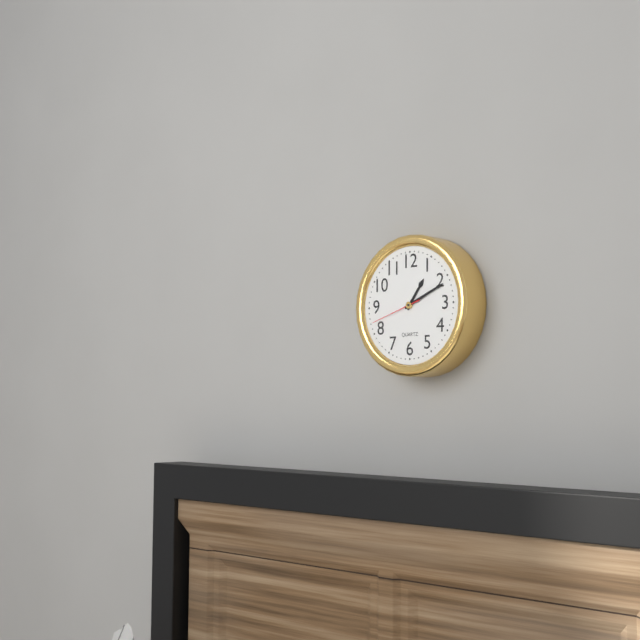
1h11m42s
